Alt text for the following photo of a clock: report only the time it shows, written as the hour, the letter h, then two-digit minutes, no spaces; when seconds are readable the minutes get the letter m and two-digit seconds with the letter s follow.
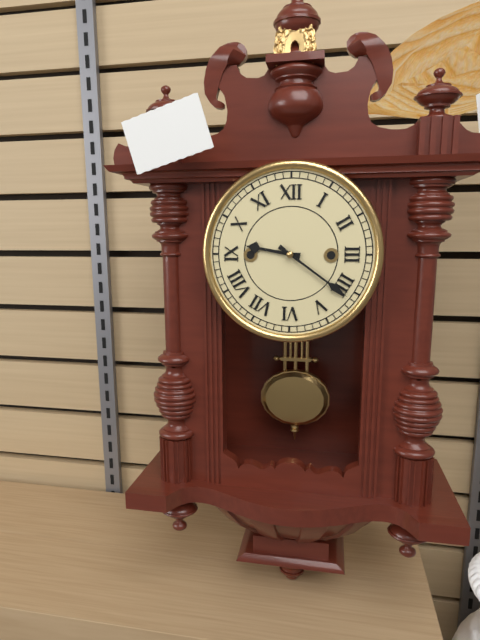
9h21
